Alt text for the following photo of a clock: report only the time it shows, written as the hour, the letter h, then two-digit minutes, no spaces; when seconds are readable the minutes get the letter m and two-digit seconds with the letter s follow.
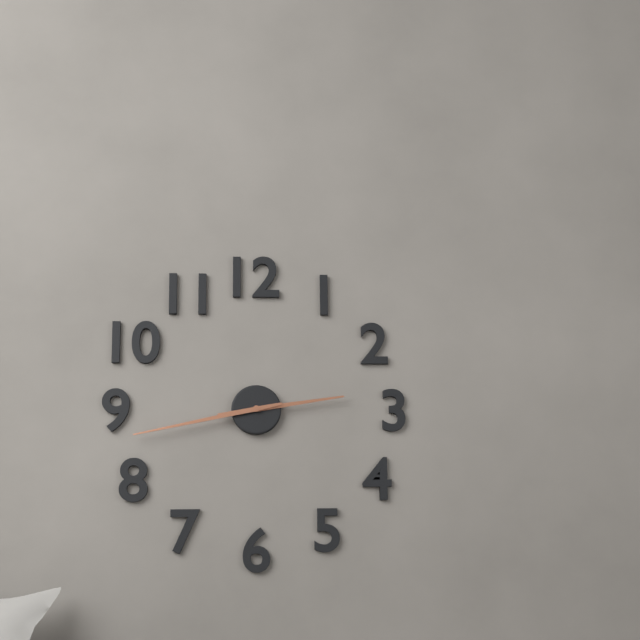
2h43
